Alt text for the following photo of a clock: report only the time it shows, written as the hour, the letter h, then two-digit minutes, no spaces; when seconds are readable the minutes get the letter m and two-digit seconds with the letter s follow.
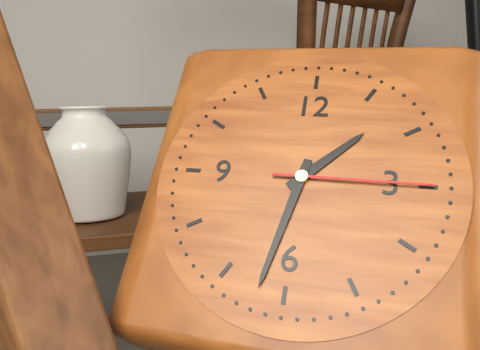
1h32m15s
